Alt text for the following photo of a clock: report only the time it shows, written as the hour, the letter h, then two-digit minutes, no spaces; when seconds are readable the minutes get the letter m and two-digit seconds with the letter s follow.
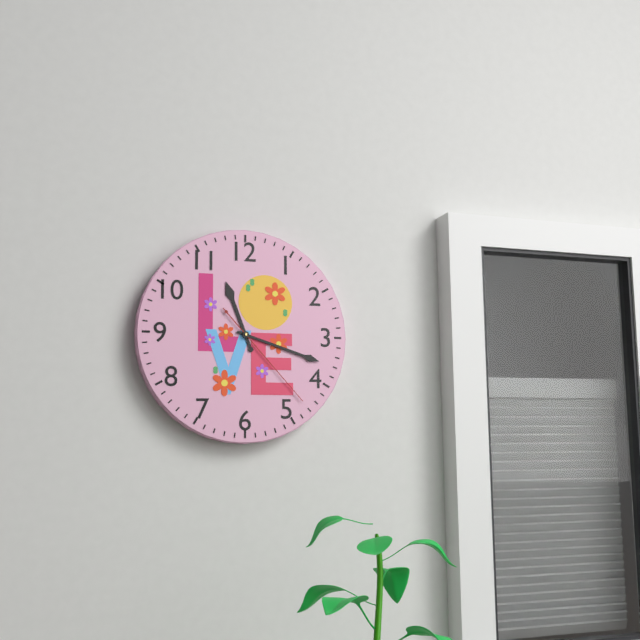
11h18m23s
